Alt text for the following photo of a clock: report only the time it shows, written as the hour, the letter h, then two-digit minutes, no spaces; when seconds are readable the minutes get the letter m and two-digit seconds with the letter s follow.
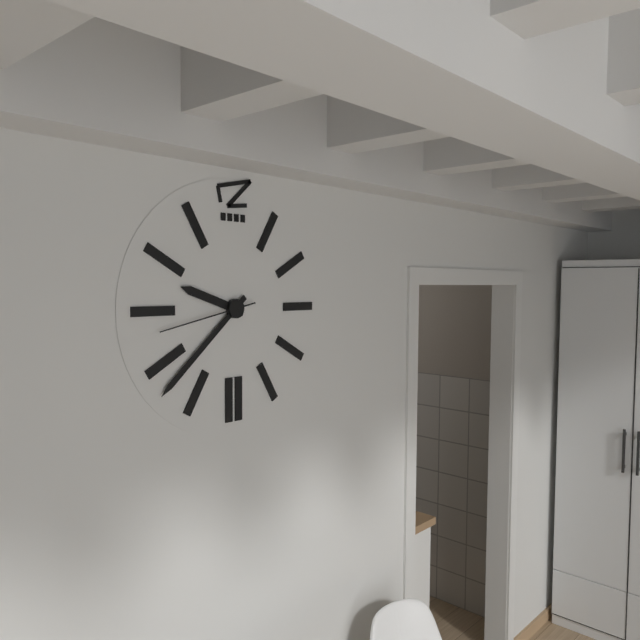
9h38m43s
